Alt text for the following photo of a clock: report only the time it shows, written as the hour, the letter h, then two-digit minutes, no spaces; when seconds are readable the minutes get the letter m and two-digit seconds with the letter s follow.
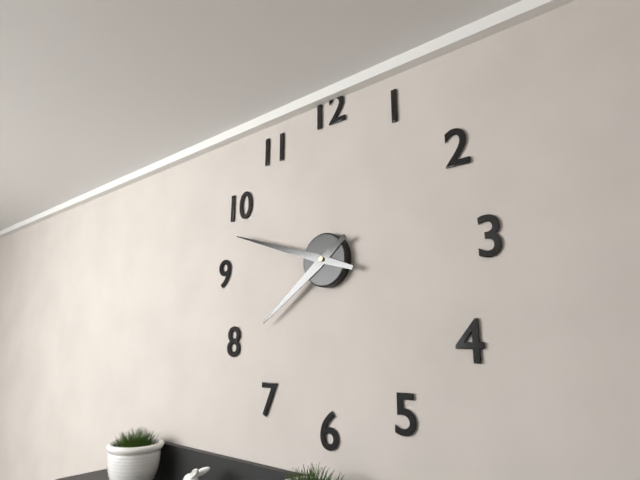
7h48
